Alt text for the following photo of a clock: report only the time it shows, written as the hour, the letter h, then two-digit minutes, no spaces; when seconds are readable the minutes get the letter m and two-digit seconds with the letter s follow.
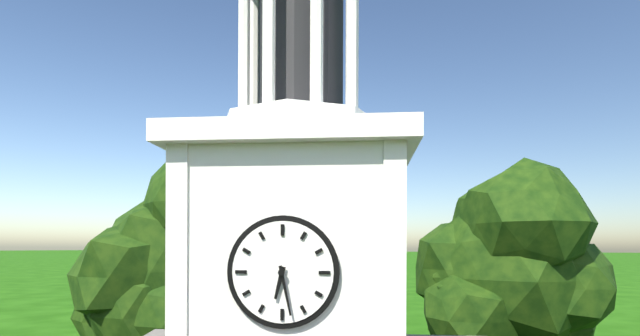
6h28
